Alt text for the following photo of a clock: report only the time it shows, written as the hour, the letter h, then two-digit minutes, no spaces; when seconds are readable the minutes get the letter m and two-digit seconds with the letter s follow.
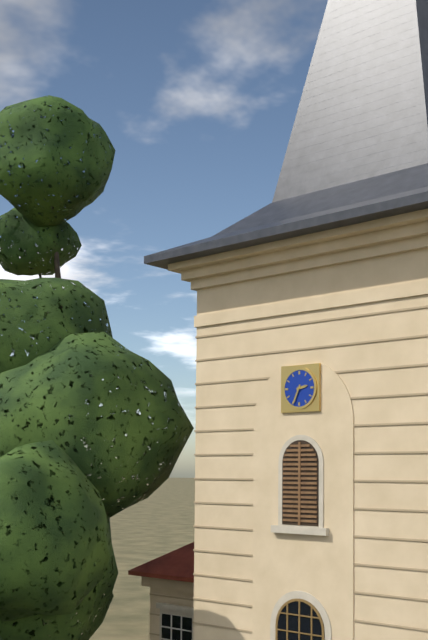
2h34
